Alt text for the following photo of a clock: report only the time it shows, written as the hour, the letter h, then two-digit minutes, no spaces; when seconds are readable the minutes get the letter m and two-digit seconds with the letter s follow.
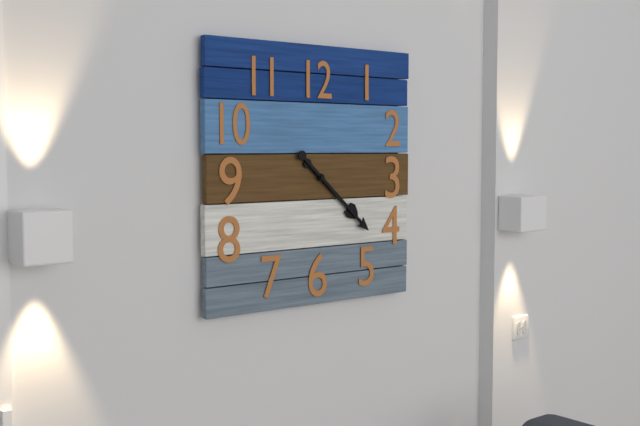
4h22
